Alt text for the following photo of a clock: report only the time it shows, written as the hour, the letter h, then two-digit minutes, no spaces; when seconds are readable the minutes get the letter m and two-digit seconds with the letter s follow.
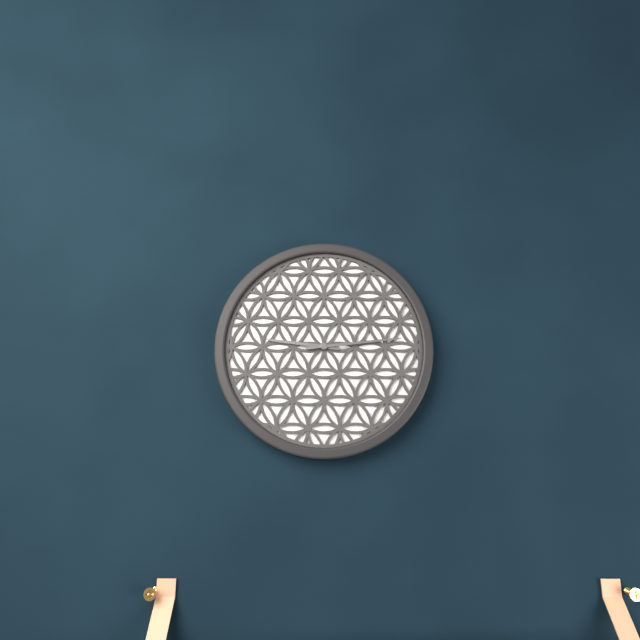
9h14
